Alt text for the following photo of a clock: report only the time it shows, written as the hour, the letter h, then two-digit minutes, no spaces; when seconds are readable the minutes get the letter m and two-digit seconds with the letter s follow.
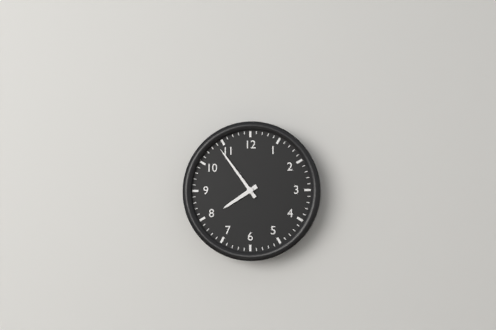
7h54
